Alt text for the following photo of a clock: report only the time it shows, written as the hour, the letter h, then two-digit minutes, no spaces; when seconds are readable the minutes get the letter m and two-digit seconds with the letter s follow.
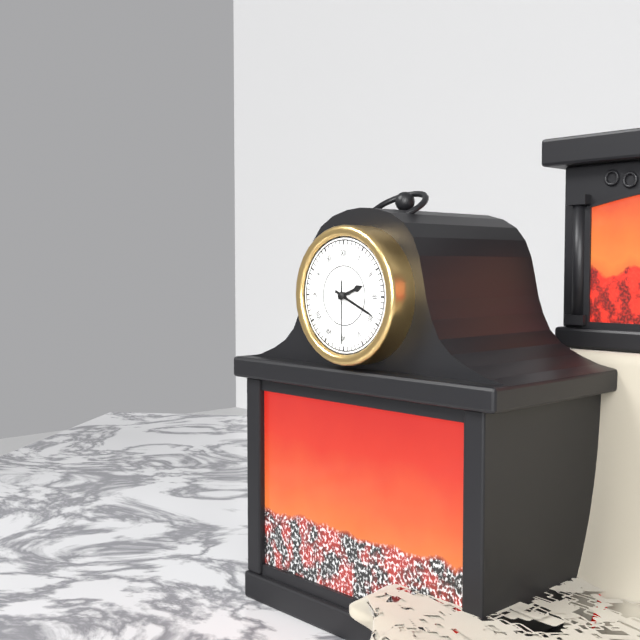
2h19m30s
